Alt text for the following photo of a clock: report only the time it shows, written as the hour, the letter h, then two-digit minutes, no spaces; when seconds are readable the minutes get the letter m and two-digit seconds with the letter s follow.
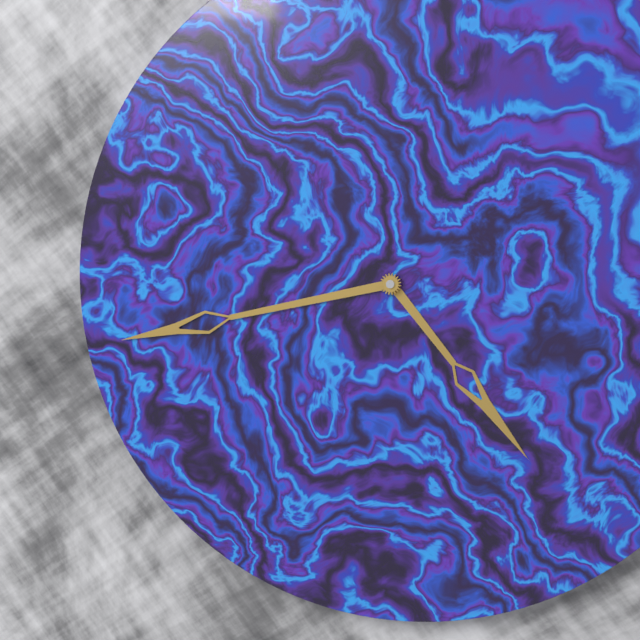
4h43
